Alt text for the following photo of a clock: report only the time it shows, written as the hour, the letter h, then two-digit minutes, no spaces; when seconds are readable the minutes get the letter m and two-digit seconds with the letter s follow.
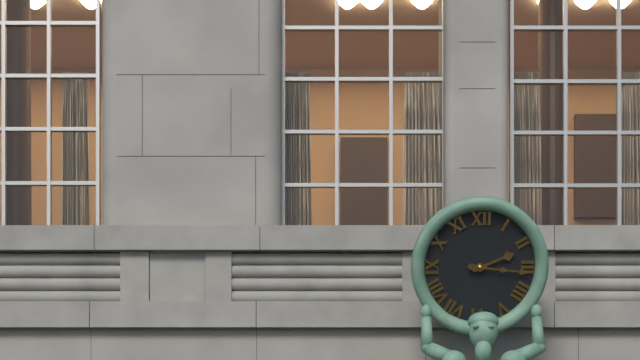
2h16
